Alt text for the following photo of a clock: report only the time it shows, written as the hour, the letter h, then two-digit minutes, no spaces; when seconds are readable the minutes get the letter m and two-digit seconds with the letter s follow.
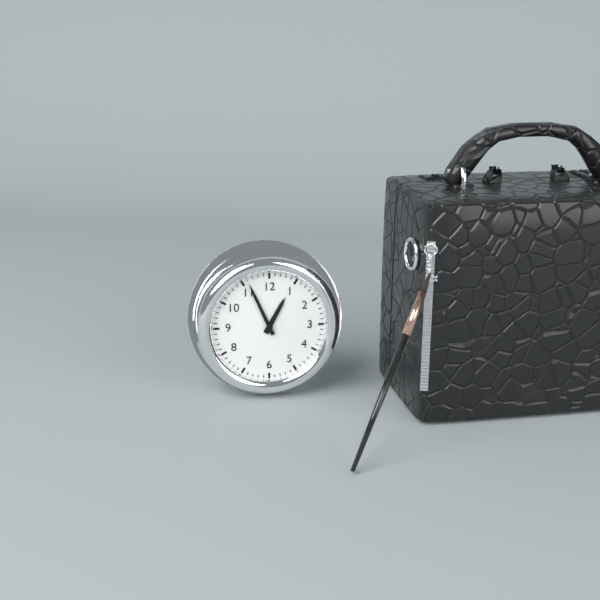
12h56
